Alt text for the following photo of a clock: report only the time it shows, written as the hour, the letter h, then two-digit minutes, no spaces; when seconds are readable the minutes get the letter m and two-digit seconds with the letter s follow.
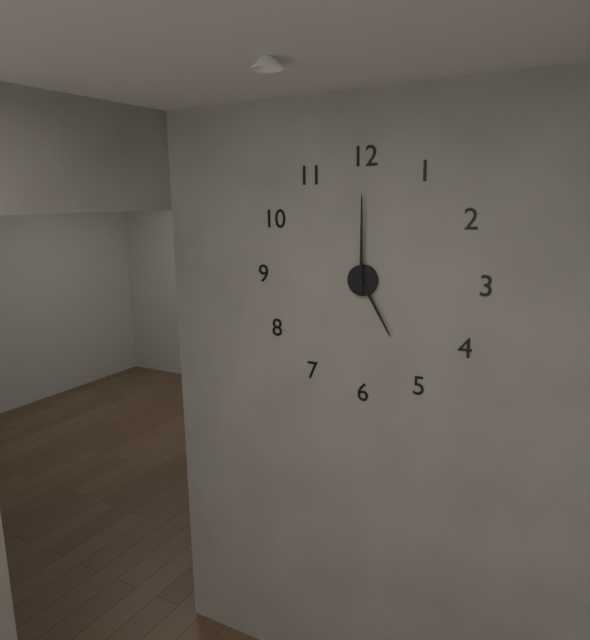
5h00
